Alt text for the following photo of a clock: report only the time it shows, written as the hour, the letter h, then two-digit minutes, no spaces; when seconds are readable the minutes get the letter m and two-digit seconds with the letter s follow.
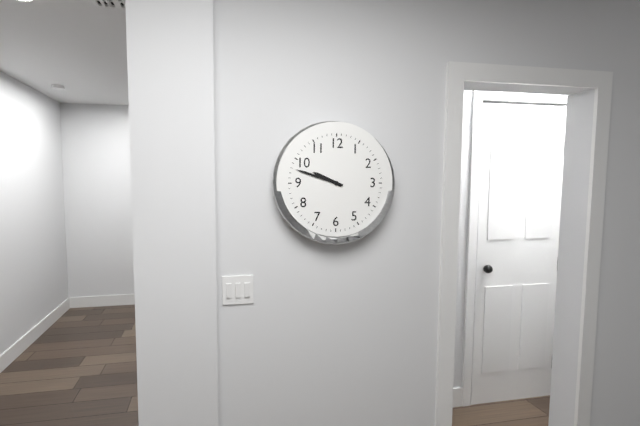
9h48
